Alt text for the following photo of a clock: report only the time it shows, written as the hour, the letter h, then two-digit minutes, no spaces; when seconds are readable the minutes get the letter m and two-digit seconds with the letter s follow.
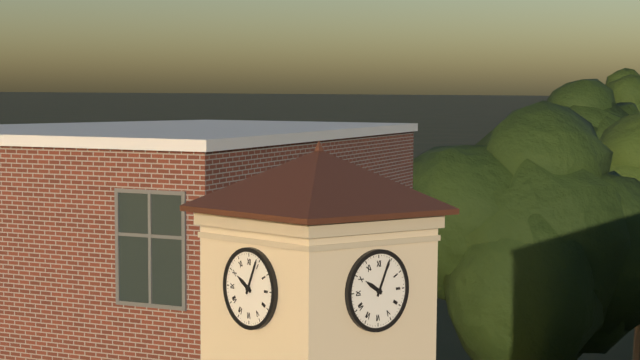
10h04
